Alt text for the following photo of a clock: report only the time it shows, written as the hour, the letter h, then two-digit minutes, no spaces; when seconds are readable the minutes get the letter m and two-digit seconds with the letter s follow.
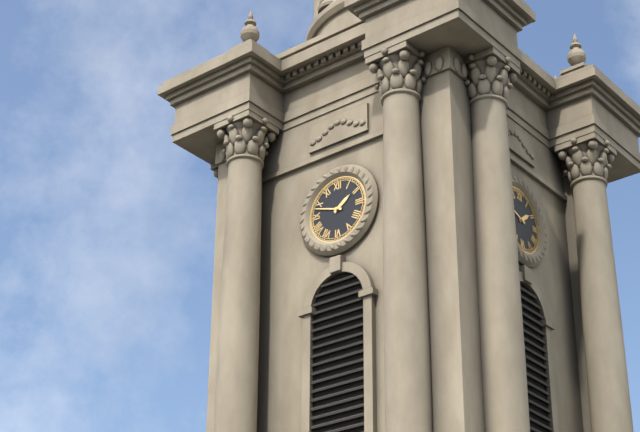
1h48
